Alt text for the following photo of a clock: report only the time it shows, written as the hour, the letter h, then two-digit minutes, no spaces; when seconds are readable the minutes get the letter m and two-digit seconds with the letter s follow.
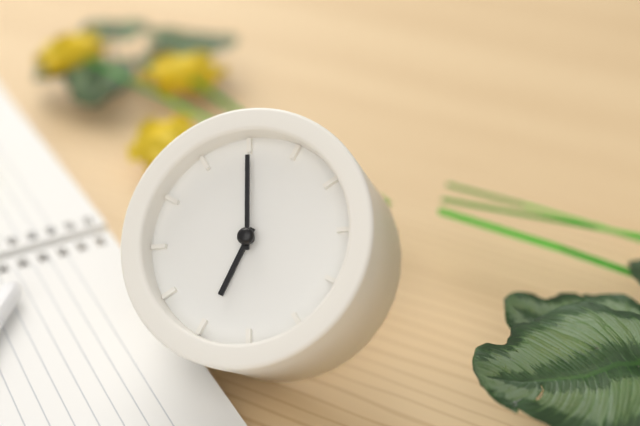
5h55
